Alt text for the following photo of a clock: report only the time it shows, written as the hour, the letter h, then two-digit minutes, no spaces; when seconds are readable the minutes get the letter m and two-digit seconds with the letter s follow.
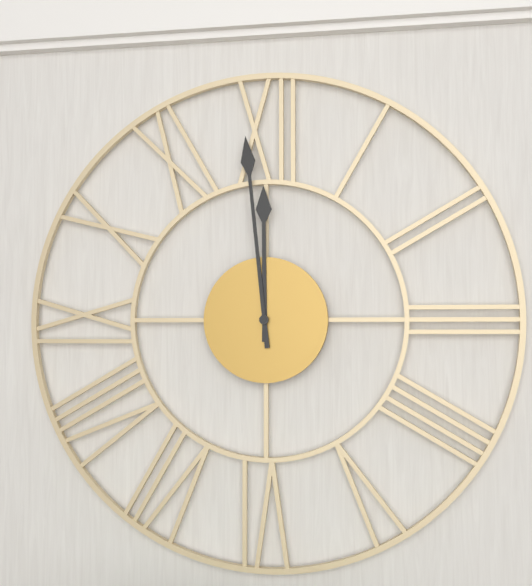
11h59
